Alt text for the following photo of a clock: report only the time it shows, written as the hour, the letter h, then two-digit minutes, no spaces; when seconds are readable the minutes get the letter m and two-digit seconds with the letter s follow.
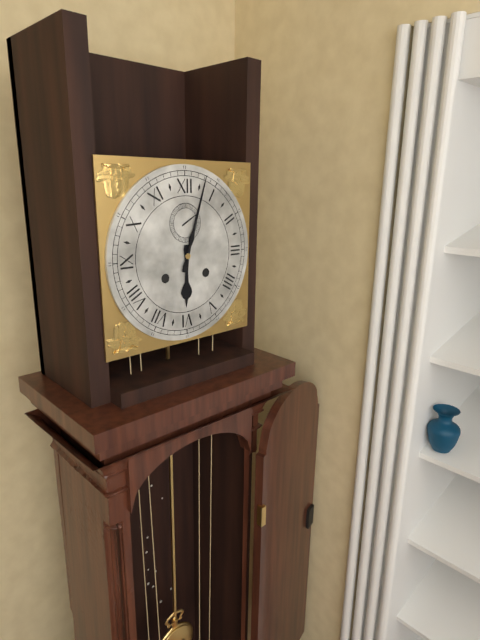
6h03
